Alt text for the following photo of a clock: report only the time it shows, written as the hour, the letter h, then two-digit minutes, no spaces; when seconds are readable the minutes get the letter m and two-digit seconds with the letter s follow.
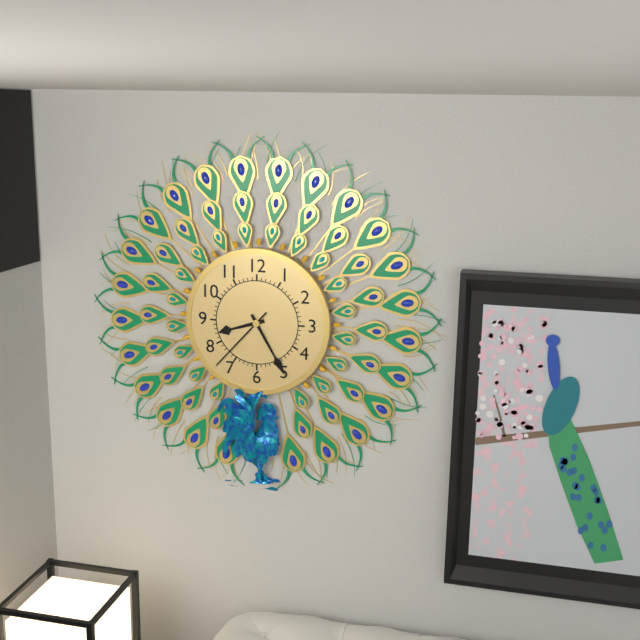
8h25m37s
